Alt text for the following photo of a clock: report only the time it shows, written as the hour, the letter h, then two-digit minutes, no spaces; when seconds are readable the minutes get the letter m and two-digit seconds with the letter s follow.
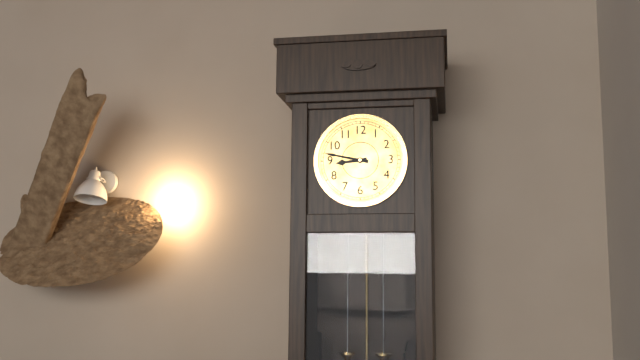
8h47
